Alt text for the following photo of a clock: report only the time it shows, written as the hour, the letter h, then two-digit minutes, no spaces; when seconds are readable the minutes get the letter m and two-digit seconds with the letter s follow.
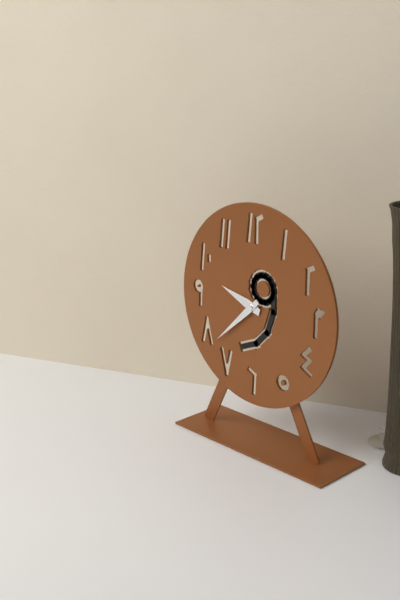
9h38
